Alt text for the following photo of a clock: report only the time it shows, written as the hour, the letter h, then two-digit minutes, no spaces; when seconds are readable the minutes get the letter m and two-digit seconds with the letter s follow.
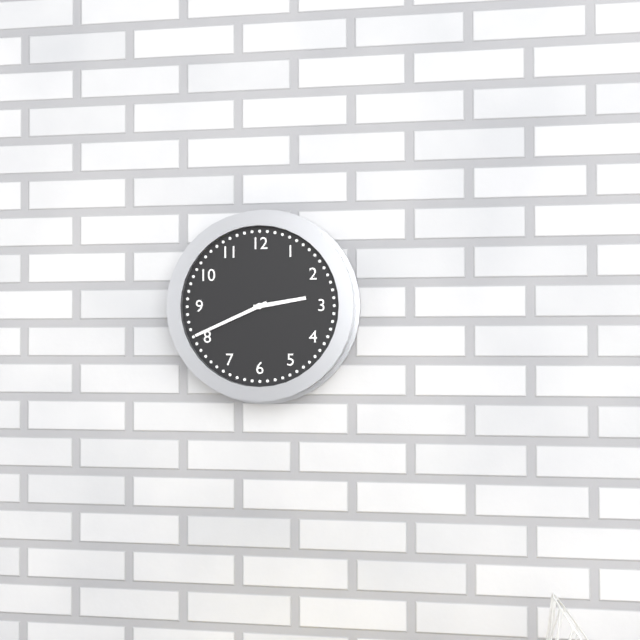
2h41
